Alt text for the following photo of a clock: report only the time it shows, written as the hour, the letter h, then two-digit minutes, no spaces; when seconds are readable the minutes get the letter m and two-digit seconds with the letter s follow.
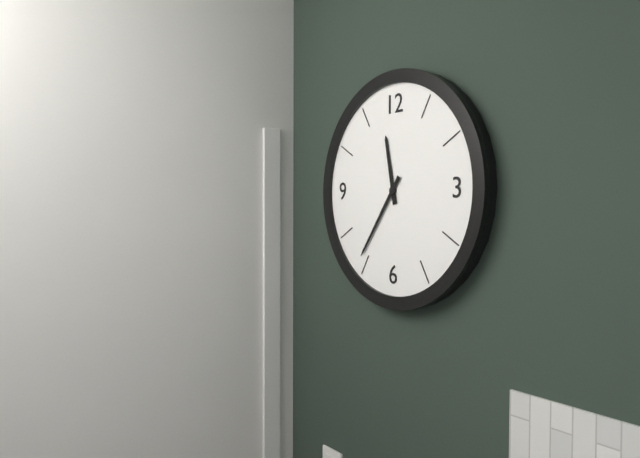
11h36
